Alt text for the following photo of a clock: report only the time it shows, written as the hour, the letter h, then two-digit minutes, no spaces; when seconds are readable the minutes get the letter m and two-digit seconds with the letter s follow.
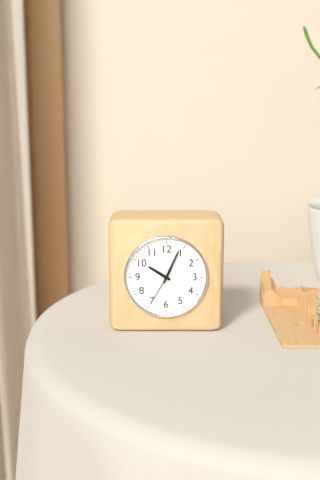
10h04
